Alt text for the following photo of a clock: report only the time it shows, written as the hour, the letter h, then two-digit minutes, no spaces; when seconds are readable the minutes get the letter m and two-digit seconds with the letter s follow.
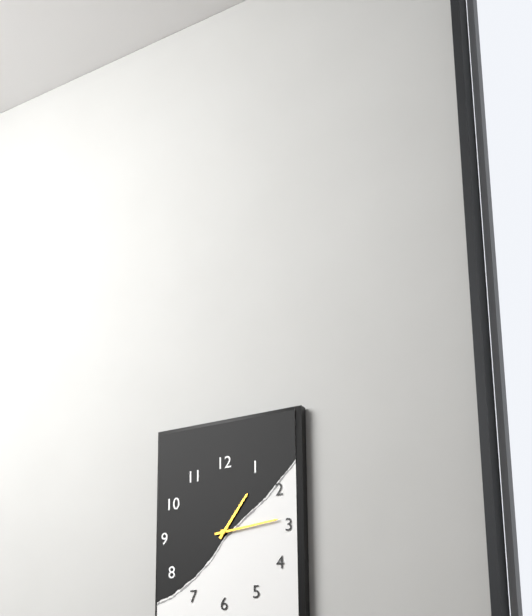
1h14
